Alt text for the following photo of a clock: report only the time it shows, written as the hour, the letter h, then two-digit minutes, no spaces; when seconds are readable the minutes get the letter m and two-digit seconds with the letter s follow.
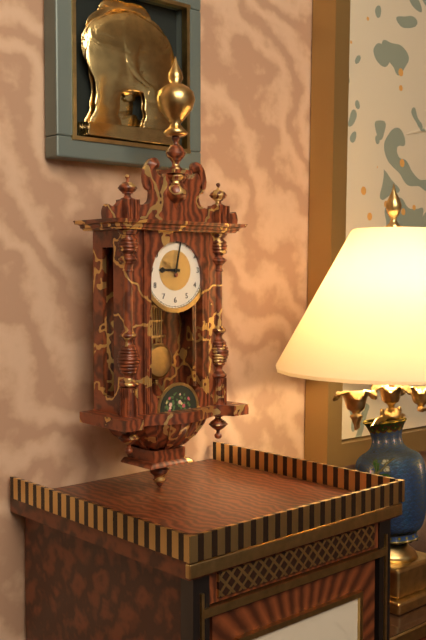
9h02
